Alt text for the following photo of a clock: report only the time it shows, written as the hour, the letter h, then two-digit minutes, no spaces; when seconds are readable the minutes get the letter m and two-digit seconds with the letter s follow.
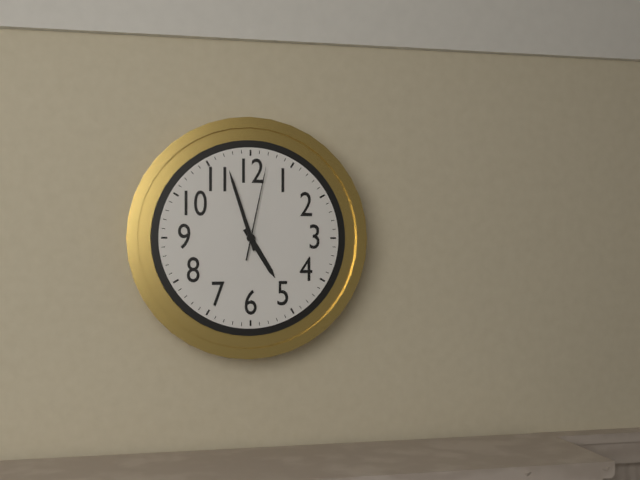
4h57m02s
